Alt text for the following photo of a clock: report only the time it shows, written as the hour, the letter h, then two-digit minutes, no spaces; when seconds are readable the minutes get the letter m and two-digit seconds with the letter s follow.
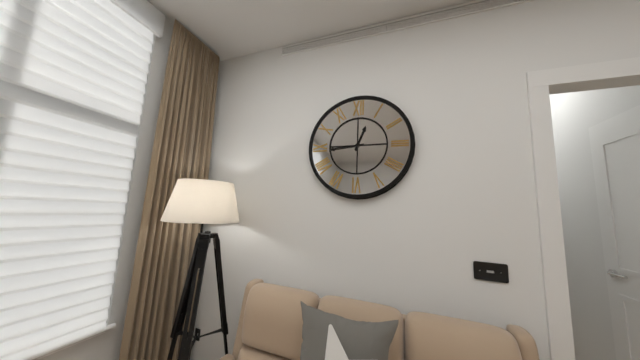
12h44
